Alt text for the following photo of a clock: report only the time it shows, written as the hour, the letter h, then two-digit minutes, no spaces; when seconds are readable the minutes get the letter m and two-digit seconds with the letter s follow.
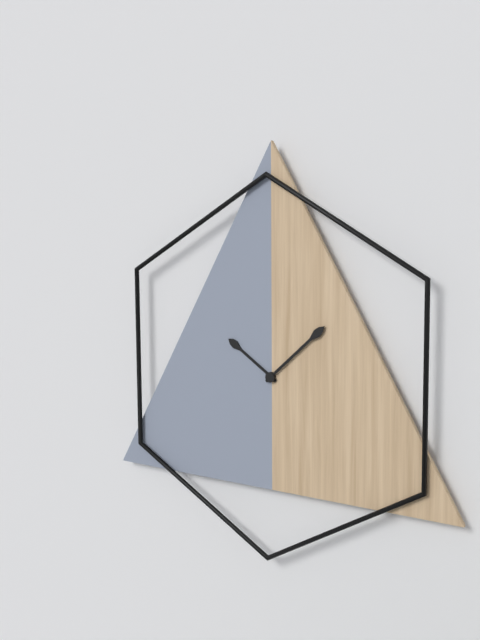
10h08
